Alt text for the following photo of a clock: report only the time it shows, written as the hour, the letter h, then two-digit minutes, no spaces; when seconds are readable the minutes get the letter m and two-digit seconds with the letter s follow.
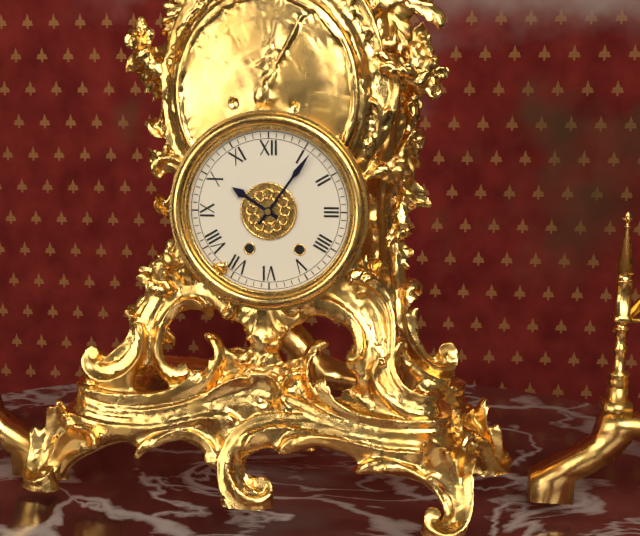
10h06
